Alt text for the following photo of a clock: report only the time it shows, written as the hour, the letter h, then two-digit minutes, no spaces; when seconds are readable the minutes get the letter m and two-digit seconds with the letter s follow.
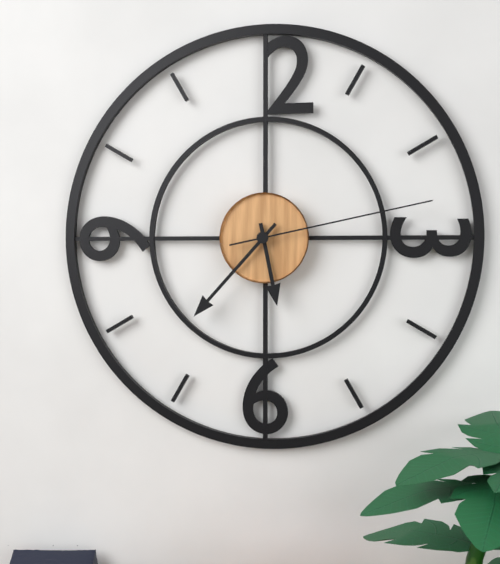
5h37m13s
